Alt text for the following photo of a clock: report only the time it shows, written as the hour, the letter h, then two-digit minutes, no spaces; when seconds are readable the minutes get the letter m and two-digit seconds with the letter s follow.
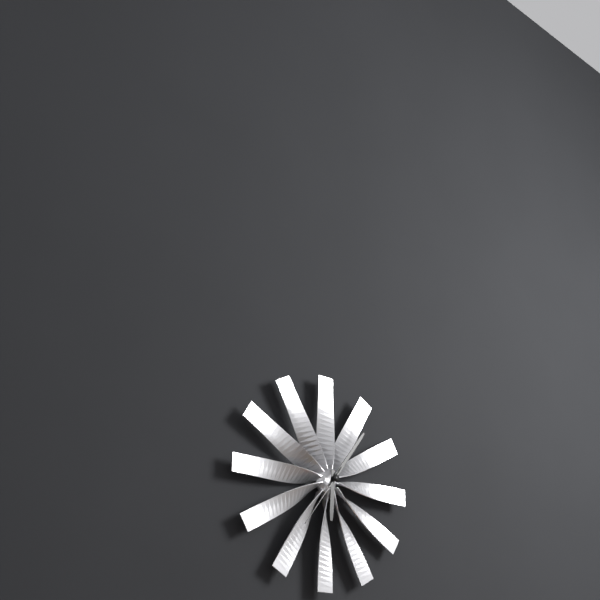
6h06m36s
